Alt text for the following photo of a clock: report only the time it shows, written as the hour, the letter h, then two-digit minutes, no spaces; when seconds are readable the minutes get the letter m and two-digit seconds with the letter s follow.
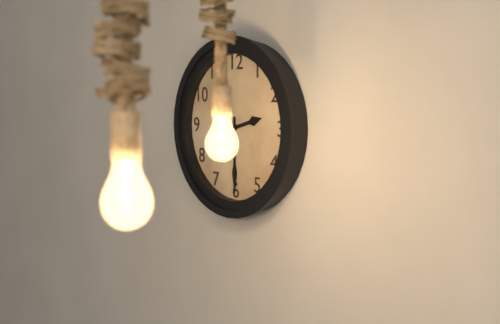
2h30
